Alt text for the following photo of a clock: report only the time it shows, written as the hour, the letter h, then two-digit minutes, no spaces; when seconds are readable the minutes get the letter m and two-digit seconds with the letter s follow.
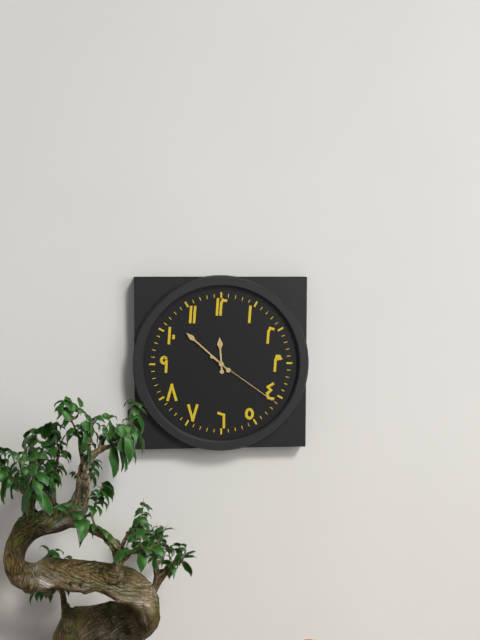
11h52m21s
